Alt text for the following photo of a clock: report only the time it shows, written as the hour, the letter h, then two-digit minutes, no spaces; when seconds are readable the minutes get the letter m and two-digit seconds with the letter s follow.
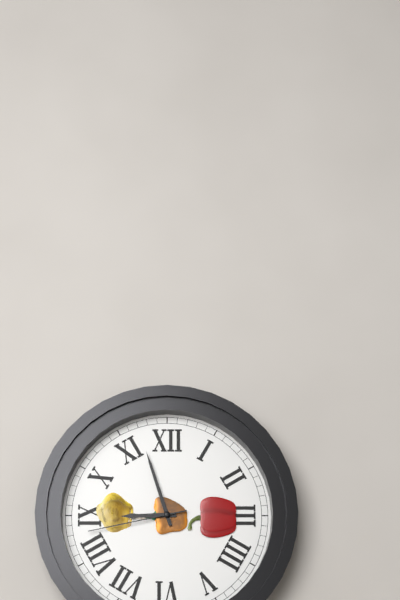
8h57m43s
